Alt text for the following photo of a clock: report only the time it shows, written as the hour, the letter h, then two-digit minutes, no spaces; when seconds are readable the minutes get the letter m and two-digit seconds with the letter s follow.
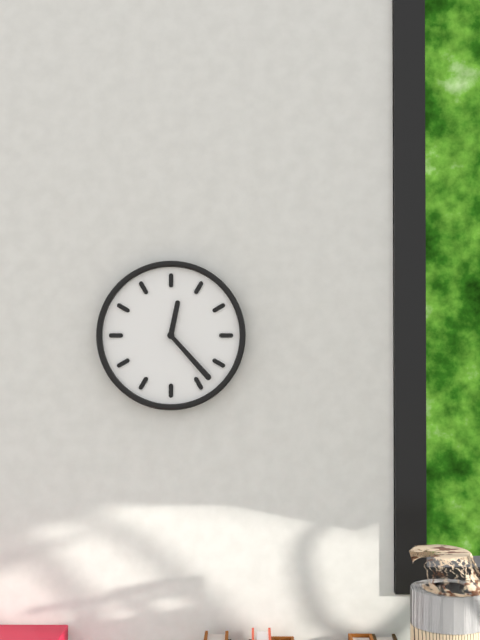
12h23
